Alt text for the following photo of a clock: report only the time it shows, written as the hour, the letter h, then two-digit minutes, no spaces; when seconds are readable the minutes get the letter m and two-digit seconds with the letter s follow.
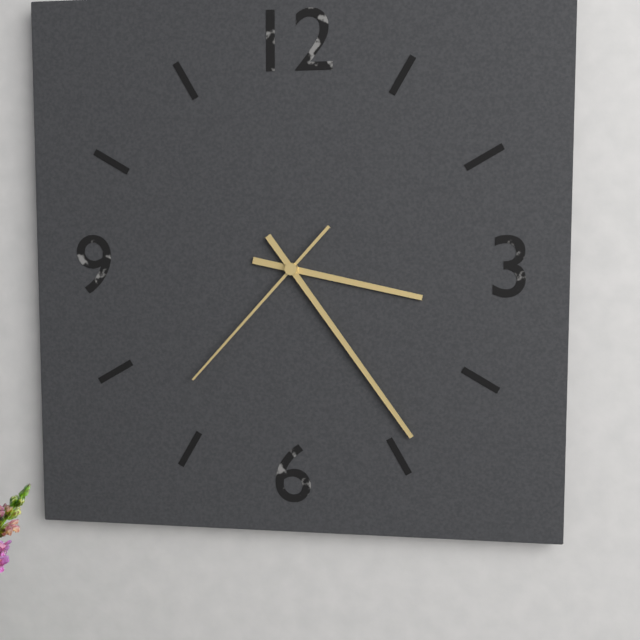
3h24m37s
